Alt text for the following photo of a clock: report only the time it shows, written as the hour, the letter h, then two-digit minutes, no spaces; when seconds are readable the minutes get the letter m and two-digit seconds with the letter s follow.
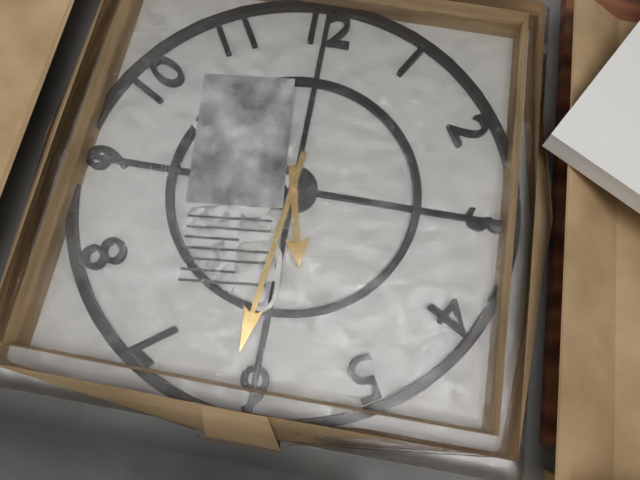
5h31
